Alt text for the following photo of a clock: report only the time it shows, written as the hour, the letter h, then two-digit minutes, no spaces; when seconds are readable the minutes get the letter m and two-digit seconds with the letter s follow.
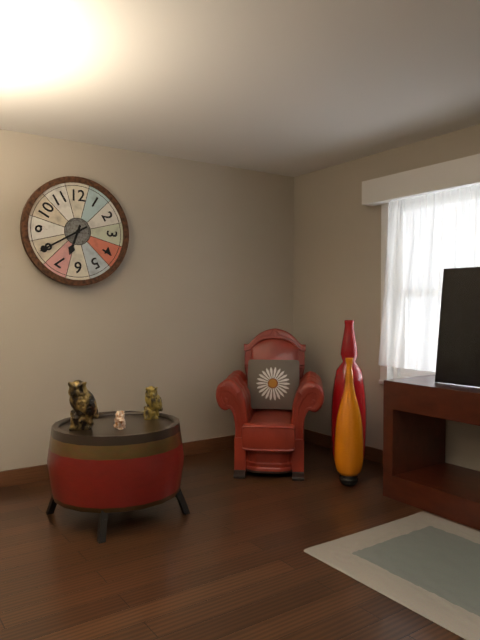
6h40
